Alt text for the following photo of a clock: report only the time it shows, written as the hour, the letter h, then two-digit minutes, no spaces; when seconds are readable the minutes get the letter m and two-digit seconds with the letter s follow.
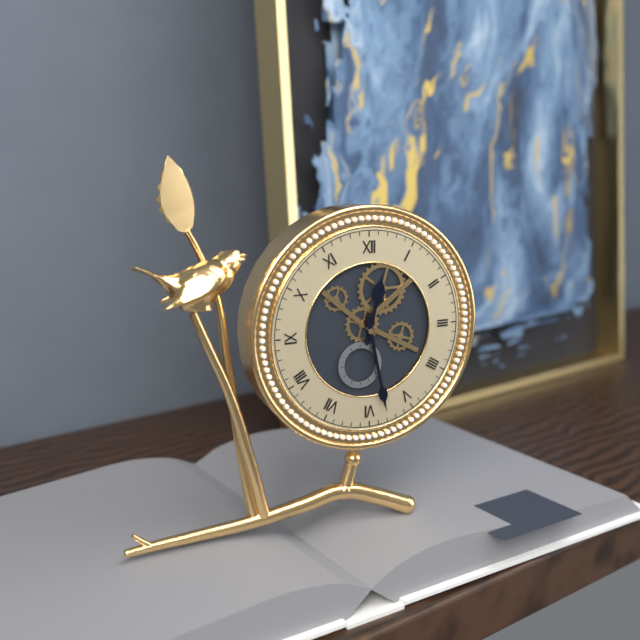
12h28
